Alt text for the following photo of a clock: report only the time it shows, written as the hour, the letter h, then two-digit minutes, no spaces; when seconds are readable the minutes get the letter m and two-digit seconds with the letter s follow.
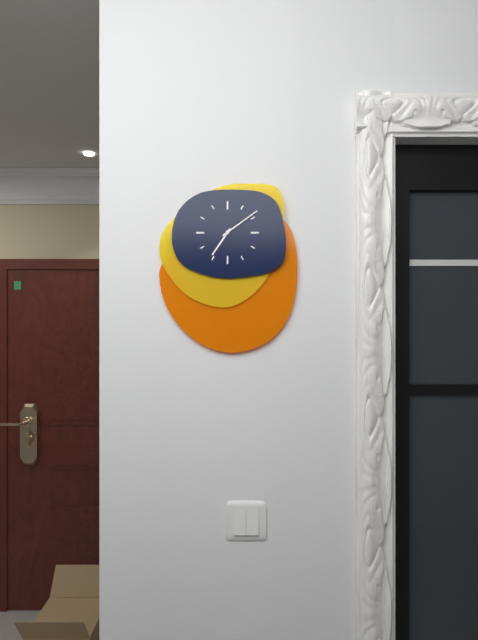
7h09
